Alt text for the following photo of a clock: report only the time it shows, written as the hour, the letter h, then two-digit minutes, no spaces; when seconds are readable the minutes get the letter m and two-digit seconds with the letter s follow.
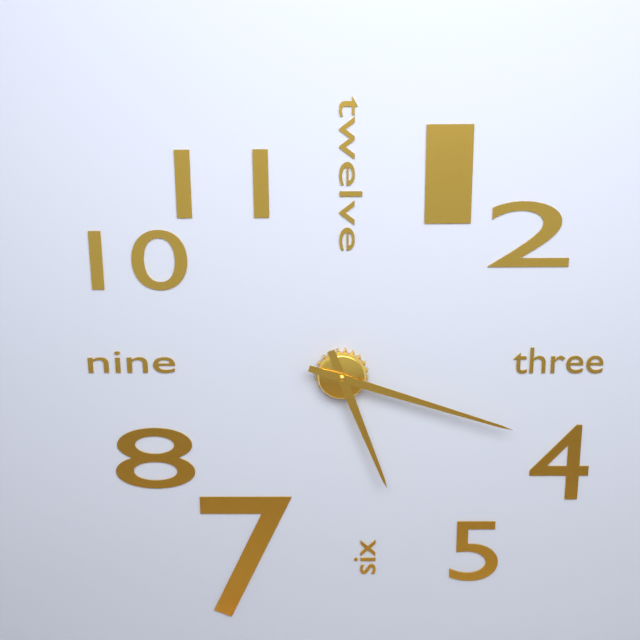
5h18
